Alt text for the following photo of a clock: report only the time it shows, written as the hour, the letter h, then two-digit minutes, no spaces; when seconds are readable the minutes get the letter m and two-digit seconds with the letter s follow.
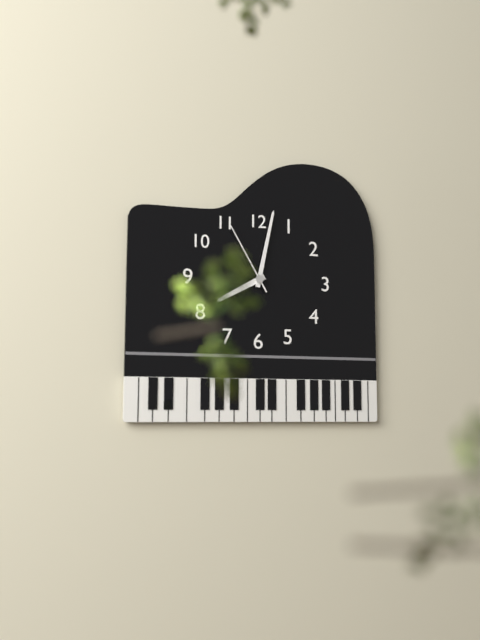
8h02m55s
